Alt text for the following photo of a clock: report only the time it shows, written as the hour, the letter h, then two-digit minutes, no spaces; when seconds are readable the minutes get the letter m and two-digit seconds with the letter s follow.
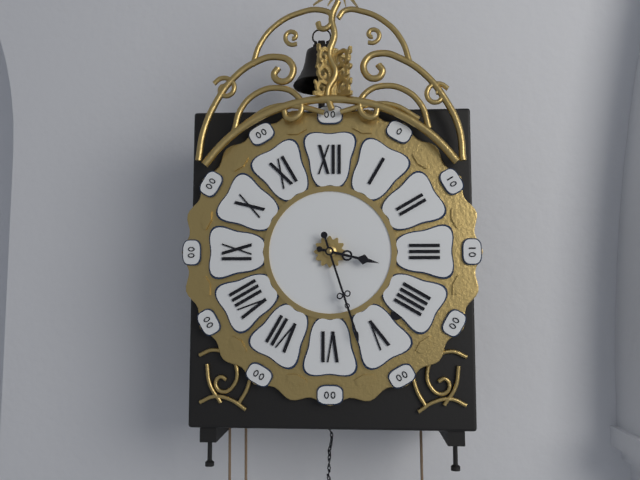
3h27
